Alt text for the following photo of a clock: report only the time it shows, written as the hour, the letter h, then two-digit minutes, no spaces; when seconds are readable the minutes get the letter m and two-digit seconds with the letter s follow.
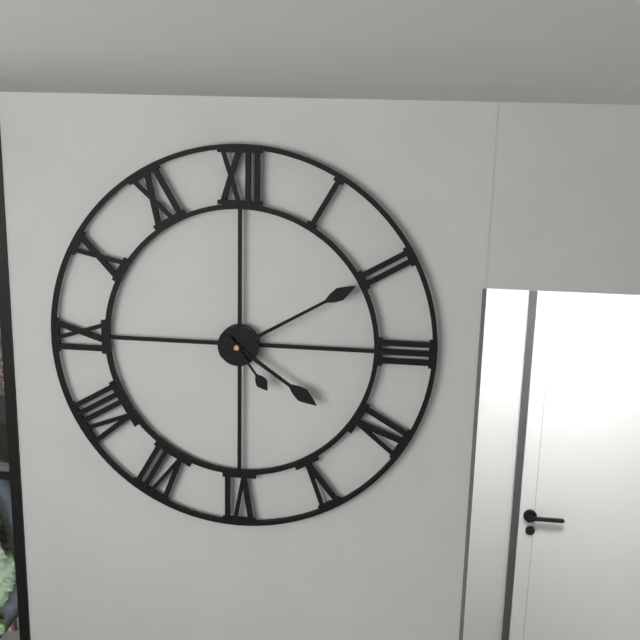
4h10m24s
